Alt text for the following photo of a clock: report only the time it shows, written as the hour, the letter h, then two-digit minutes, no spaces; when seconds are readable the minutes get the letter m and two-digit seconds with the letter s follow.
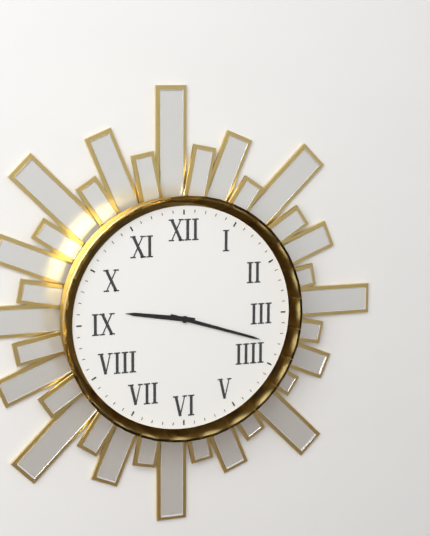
9h18
